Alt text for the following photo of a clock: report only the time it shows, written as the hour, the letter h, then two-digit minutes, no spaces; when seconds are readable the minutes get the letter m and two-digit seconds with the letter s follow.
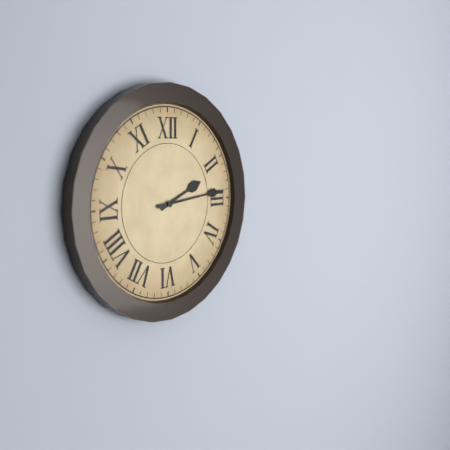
2h14
